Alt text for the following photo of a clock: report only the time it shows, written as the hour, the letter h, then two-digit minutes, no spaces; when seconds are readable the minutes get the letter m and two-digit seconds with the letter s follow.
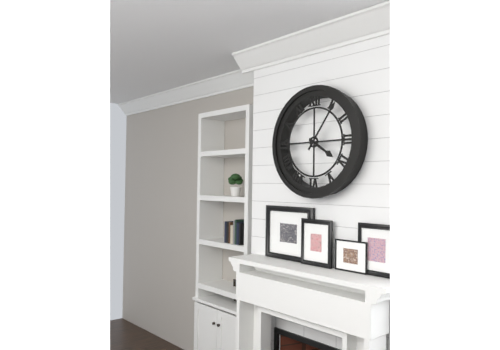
4h06
